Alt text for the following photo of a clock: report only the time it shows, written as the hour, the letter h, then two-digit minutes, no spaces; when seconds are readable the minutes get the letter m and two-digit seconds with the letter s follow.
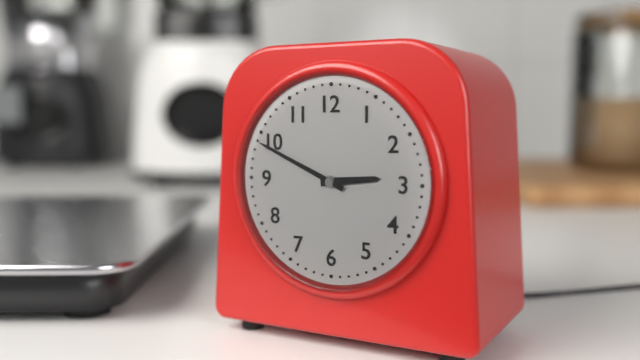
2h49
